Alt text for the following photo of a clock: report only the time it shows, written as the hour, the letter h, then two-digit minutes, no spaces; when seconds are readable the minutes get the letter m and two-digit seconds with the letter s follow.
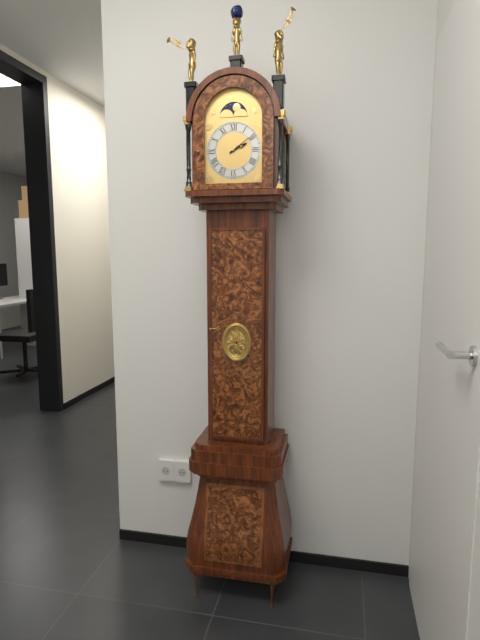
2h09
